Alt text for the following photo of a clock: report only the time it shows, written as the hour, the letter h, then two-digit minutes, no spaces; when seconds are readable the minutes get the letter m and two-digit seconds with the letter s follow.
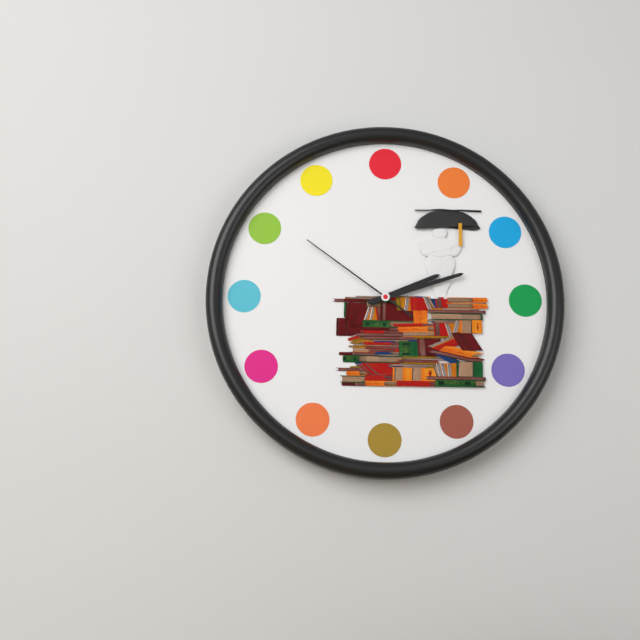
2h12m51s
